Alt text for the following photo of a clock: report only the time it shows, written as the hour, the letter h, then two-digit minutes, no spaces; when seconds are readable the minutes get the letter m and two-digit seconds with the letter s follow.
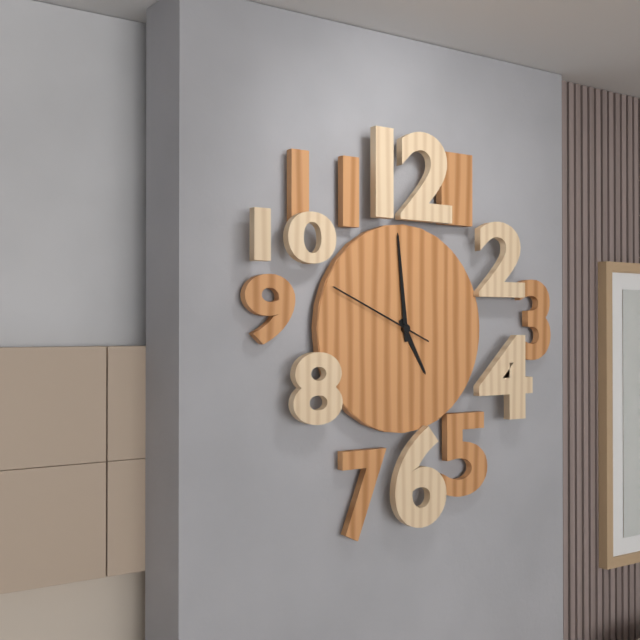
4h59m49s
